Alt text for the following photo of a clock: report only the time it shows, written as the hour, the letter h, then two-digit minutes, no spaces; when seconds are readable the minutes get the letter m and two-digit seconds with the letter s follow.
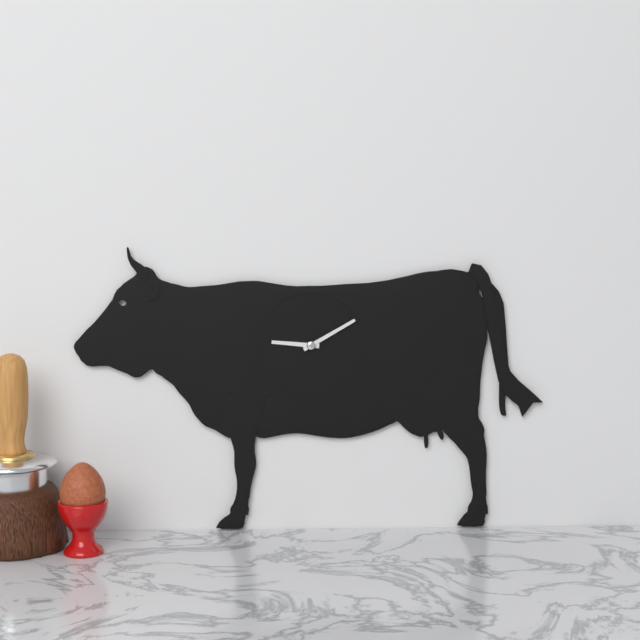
9h10
